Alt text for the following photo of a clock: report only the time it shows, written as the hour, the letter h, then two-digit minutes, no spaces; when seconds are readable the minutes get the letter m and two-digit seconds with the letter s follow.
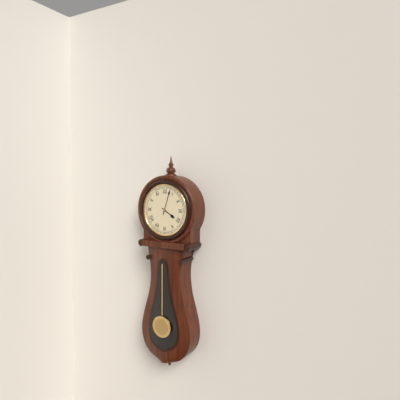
4h03
